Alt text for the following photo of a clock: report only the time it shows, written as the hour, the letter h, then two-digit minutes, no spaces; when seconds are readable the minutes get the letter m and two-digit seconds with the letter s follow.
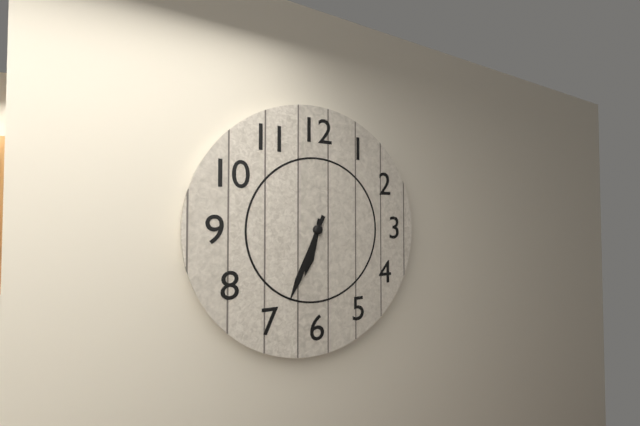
6h34
